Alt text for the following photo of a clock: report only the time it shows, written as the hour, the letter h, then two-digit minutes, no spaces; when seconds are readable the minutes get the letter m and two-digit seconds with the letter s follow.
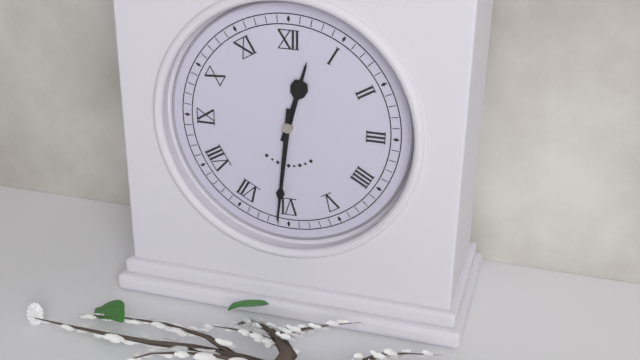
12h31
